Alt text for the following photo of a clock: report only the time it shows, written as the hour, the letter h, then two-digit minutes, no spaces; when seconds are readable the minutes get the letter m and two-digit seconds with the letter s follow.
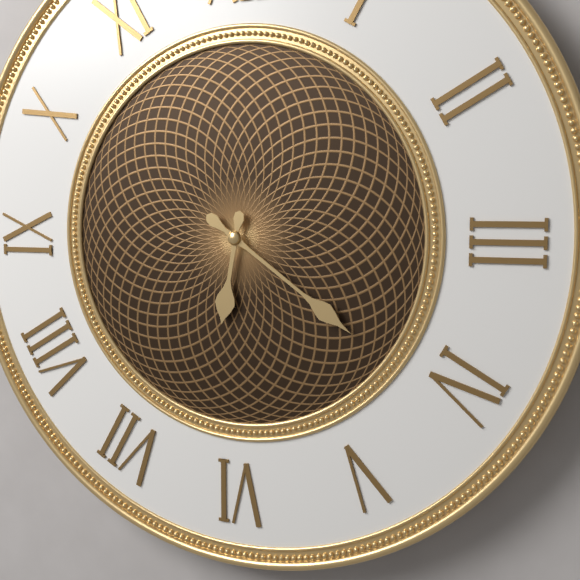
6h21
